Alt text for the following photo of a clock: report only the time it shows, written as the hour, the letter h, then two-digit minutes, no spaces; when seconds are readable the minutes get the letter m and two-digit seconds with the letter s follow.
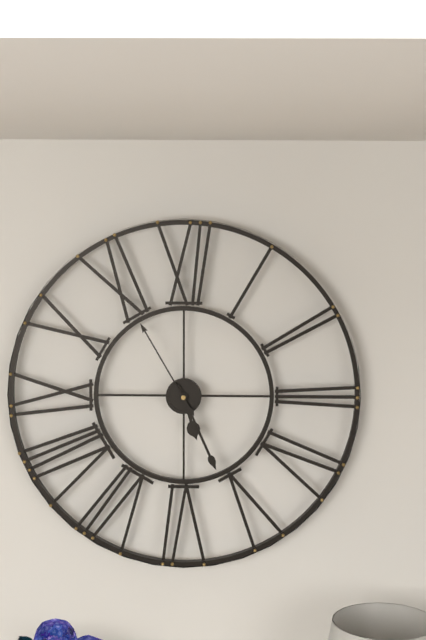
5h26m55s
